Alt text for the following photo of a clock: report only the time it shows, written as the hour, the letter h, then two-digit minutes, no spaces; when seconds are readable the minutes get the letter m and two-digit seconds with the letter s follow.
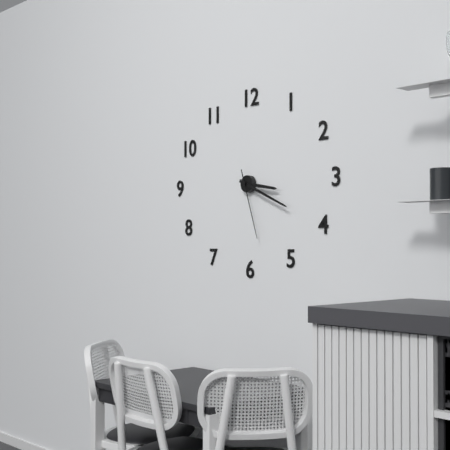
3h19m27s
